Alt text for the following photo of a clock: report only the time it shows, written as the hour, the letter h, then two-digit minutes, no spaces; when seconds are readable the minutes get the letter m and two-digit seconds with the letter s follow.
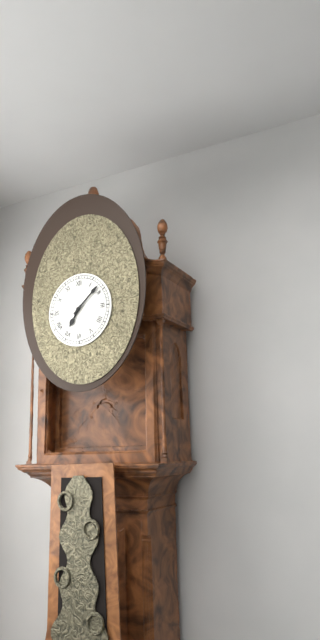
7h08
